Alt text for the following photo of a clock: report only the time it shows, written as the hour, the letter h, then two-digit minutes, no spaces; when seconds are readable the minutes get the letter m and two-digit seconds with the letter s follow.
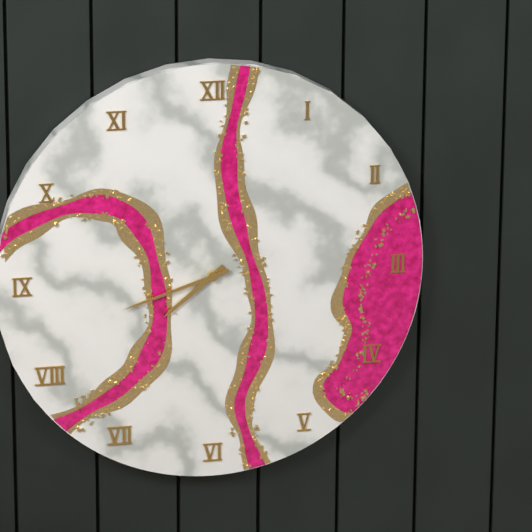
7h42
